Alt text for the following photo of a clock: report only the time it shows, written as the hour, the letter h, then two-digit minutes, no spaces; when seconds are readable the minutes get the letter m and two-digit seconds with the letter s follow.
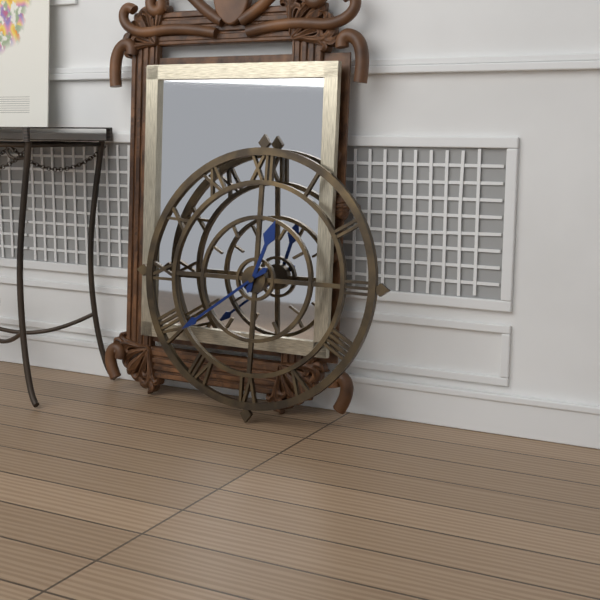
12h39
